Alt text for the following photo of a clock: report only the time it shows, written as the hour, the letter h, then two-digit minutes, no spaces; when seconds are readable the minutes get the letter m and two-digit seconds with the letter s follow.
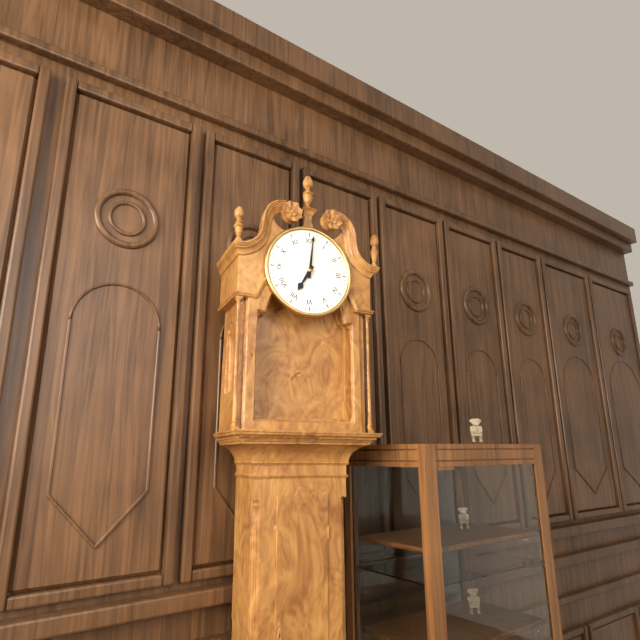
7h01
